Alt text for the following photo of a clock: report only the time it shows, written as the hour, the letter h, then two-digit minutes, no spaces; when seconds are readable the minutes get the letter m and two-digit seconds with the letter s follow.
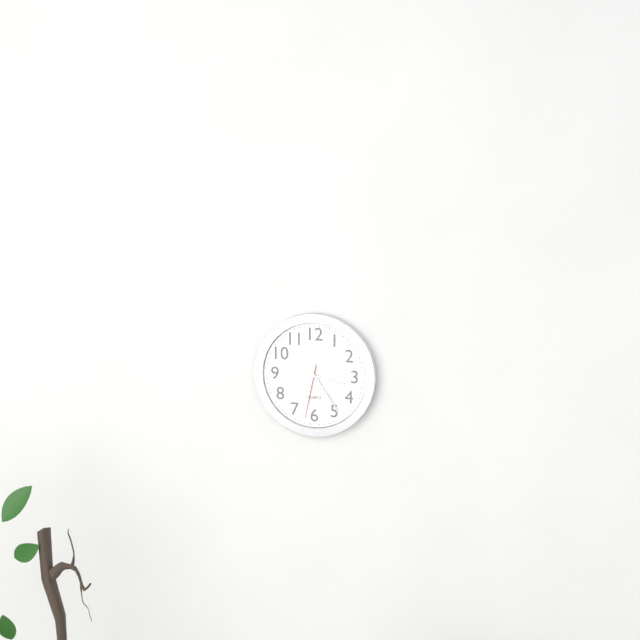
3h24m32s
